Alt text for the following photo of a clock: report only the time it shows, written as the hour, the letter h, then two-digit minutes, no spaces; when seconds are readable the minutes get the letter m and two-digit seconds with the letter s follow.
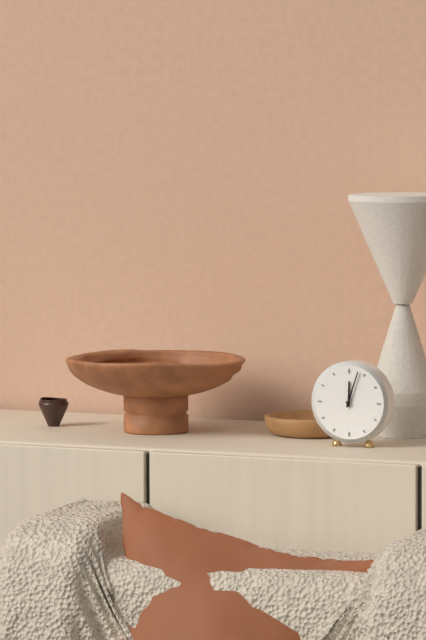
12h03
